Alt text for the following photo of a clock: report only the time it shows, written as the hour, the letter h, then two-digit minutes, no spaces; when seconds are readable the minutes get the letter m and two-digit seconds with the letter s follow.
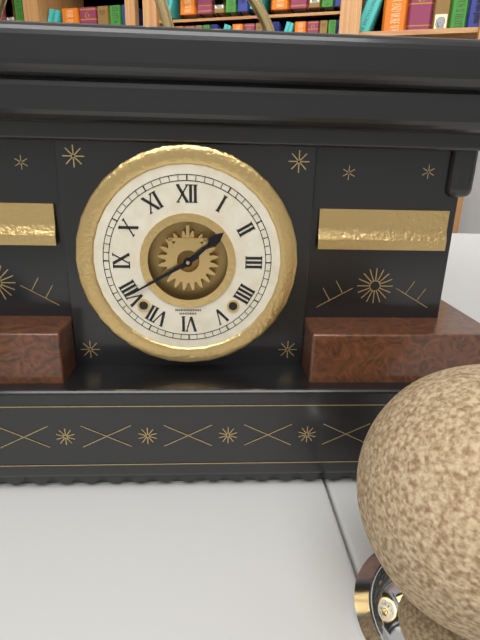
1h40
